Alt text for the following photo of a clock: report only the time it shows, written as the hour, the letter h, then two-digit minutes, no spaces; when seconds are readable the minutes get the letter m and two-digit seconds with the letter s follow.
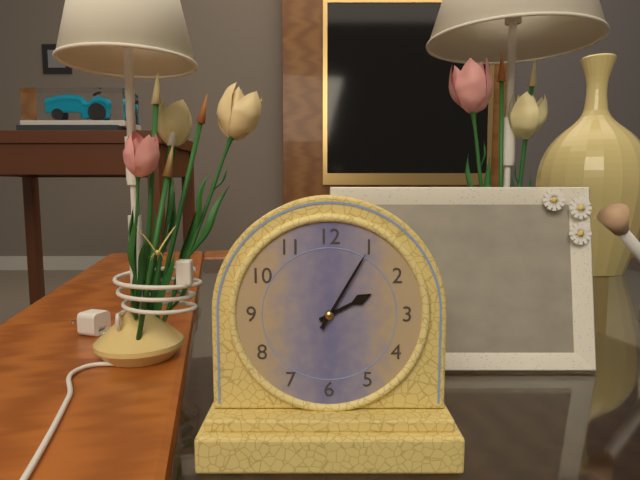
2h05
